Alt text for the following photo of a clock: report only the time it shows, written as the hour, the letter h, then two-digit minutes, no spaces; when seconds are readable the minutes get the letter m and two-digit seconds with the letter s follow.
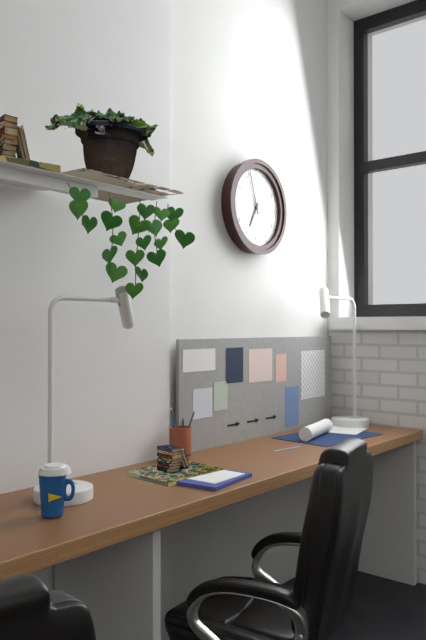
6h57
